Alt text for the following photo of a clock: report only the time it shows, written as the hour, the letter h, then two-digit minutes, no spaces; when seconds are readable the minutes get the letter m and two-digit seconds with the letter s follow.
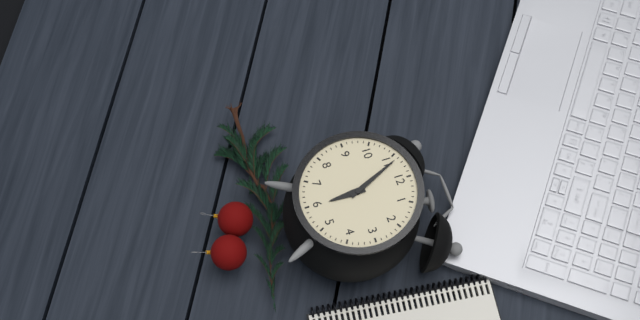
5h56
